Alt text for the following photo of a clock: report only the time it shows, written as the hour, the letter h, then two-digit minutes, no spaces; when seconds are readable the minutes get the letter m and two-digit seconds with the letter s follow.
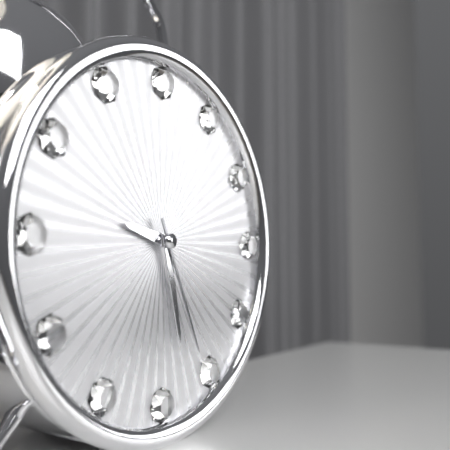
9h28m26s
